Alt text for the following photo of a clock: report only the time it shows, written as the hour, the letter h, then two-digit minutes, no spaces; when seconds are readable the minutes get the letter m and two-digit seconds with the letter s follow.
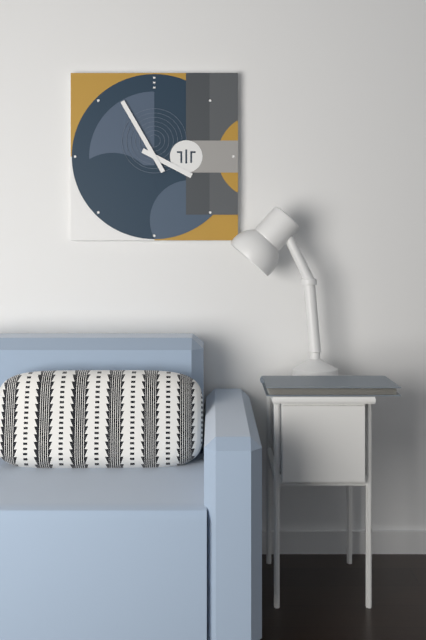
3h55
